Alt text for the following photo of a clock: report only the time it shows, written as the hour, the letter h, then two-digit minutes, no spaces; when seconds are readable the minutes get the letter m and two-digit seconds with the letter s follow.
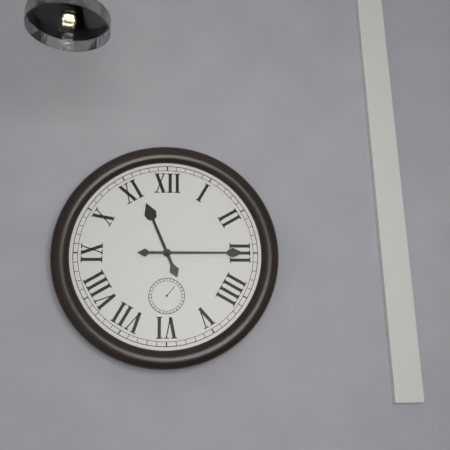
11h15
